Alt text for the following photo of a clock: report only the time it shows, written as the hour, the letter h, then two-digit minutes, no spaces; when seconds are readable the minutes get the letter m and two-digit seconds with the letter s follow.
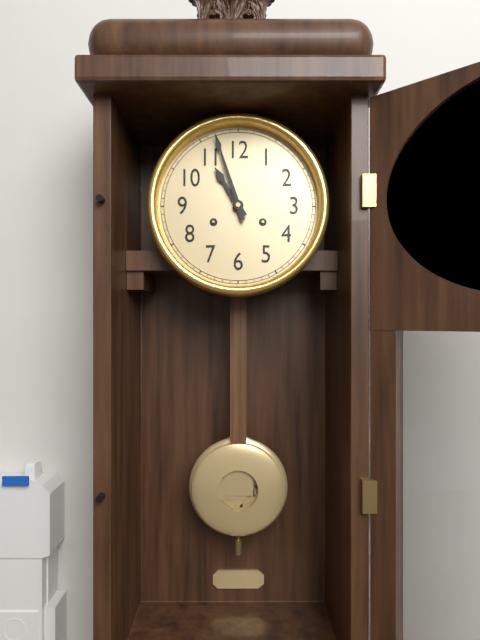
10h57
